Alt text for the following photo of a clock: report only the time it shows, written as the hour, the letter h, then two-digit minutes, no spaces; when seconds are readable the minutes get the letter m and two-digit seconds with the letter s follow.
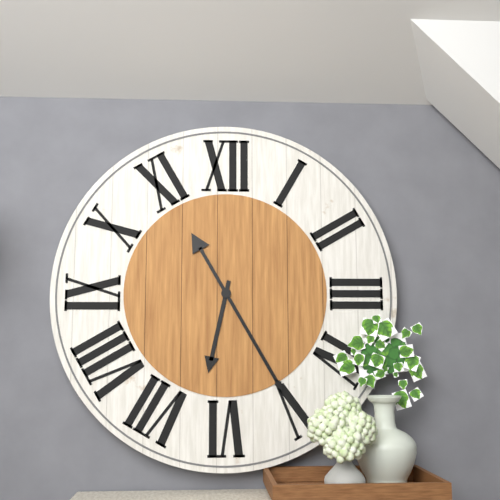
6h25
